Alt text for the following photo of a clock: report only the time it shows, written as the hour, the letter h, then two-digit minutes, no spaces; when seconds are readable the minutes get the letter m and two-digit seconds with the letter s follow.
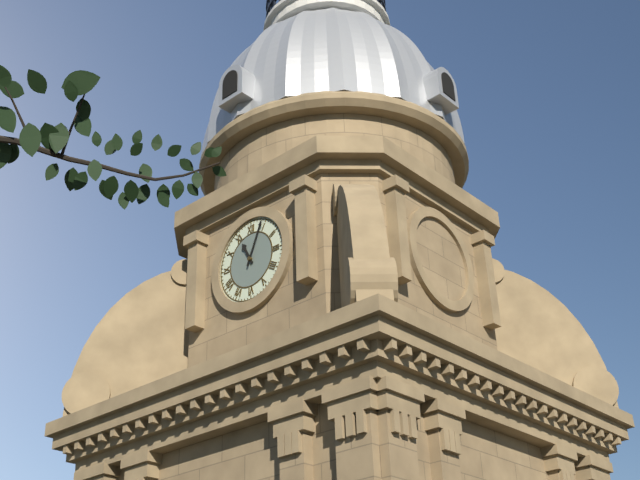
11h04
